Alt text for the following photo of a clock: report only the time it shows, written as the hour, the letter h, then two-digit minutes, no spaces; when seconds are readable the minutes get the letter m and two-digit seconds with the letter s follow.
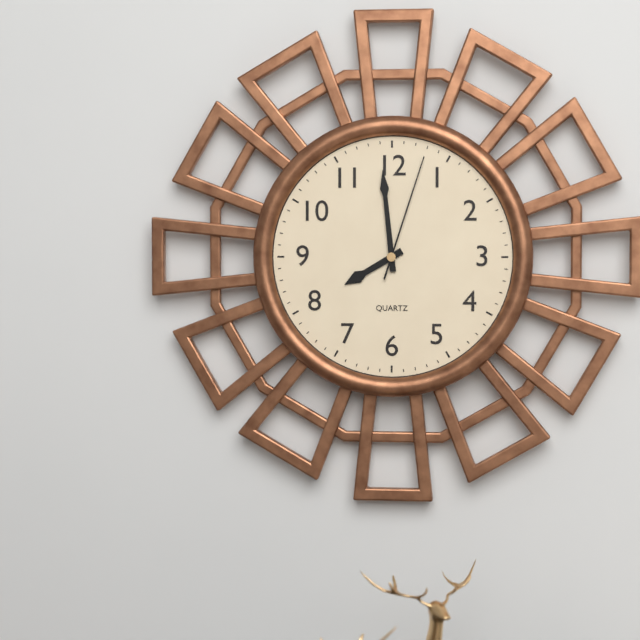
7h59m03s
